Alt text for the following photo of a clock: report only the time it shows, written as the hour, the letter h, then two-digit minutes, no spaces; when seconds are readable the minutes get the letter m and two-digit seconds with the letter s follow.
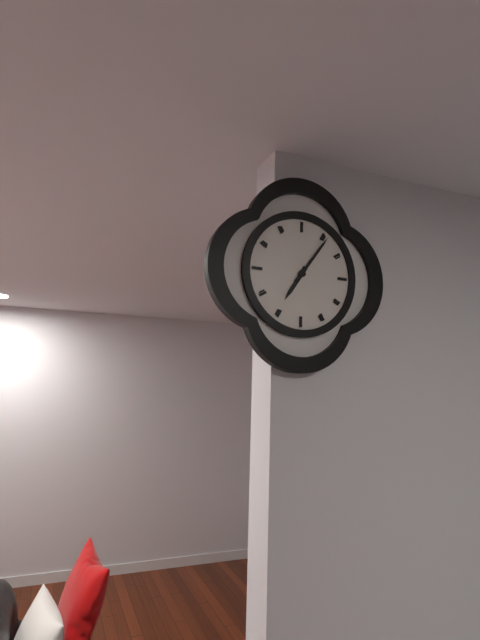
7h06
